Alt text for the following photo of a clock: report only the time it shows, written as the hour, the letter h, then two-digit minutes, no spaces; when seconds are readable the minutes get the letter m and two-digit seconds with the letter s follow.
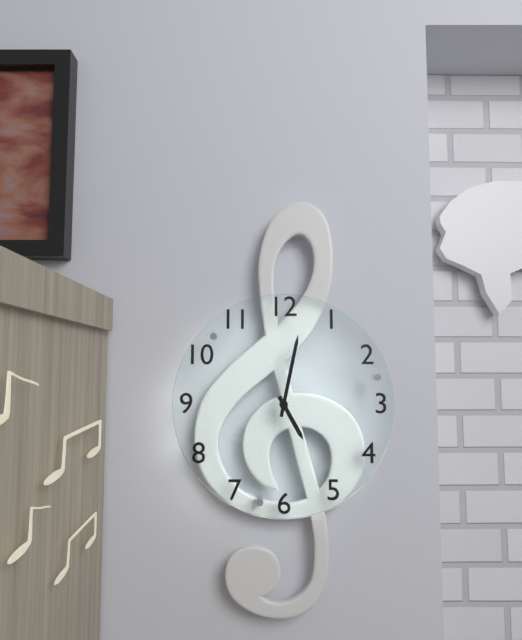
5h02
